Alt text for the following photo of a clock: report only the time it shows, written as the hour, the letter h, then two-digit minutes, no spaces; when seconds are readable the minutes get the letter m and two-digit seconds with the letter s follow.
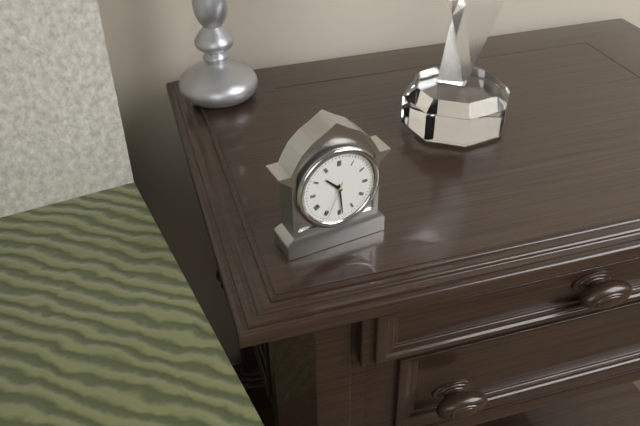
10h29
